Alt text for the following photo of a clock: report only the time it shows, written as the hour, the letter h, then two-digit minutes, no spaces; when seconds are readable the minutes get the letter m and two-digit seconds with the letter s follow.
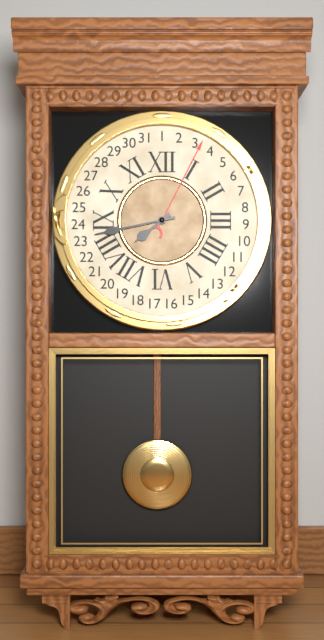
7h43
